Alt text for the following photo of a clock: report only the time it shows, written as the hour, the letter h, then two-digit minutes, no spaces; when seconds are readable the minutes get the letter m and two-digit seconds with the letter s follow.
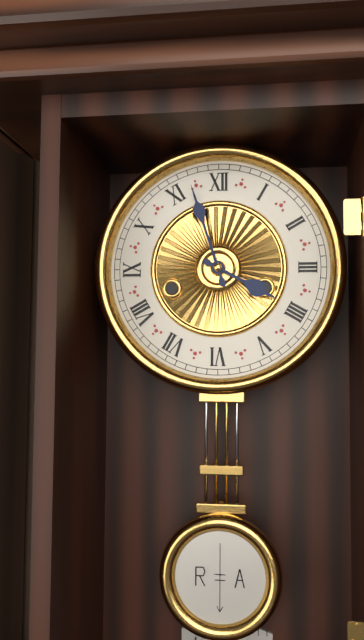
3h57
